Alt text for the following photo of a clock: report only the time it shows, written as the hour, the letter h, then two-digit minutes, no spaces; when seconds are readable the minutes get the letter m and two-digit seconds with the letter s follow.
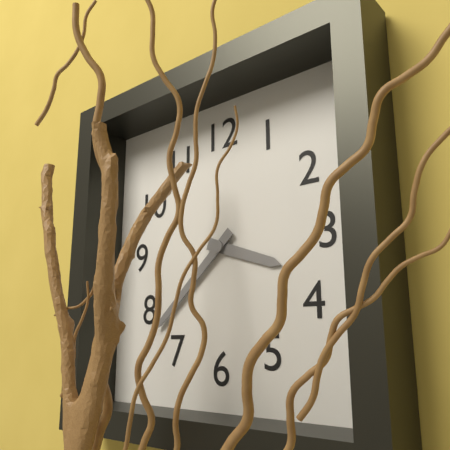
3h38
